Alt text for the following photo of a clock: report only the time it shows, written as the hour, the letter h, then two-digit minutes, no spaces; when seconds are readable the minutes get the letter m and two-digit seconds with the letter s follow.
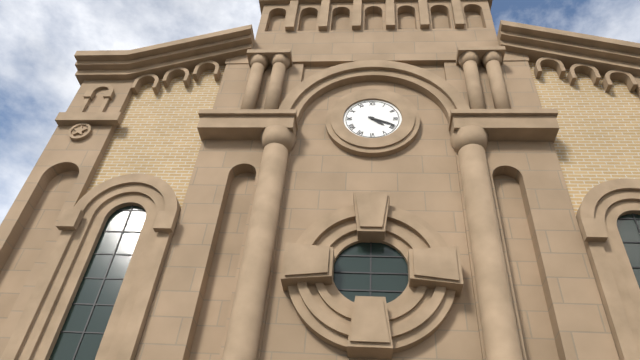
4h19
